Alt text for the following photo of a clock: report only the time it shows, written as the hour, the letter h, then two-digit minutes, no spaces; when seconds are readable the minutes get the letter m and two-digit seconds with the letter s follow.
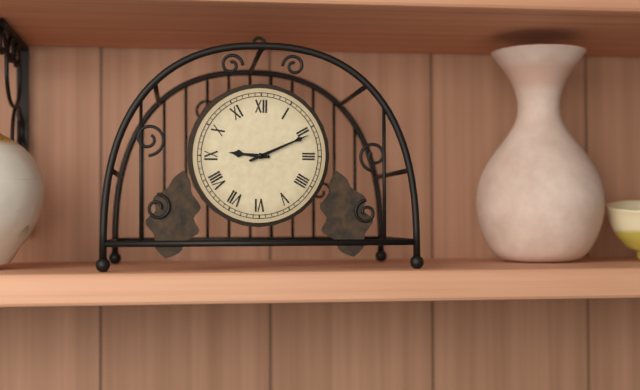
9h11
